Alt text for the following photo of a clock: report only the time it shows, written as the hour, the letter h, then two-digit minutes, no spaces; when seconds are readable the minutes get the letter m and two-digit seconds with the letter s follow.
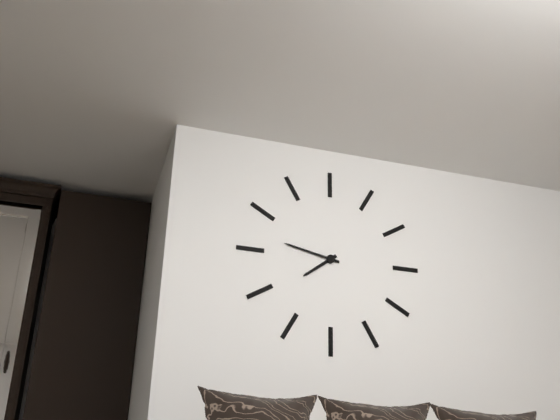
7h47
